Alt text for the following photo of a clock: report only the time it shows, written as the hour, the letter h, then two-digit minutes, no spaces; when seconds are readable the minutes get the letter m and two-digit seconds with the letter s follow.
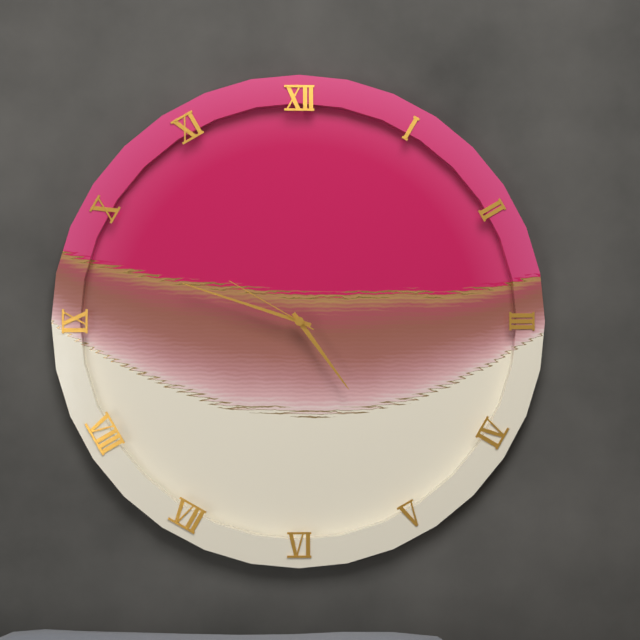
4h48m50s
